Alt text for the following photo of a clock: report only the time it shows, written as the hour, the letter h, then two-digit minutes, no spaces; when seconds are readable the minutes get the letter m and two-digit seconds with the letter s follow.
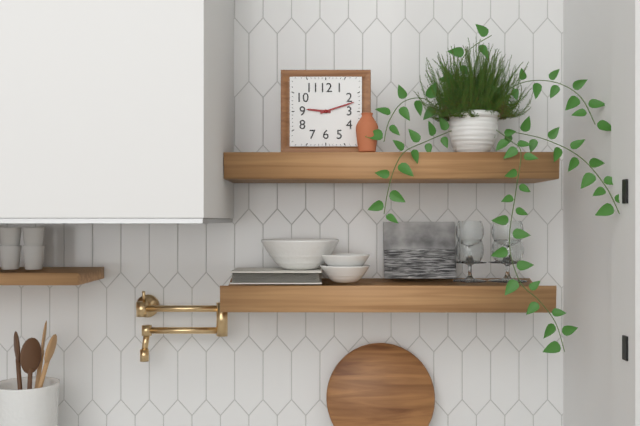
9h12
